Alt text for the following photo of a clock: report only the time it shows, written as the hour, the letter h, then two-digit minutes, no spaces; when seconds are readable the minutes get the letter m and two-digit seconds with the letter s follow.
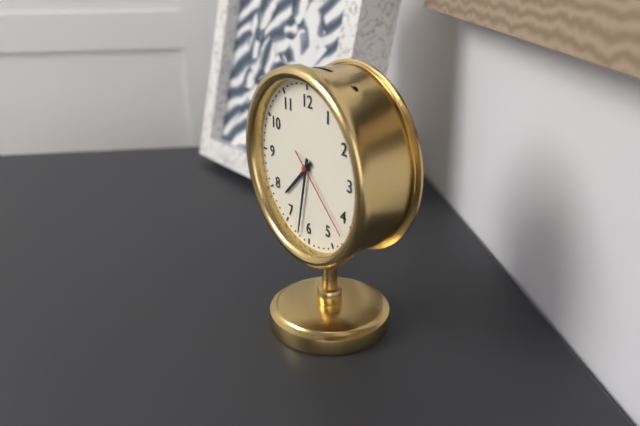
7h32m22s
